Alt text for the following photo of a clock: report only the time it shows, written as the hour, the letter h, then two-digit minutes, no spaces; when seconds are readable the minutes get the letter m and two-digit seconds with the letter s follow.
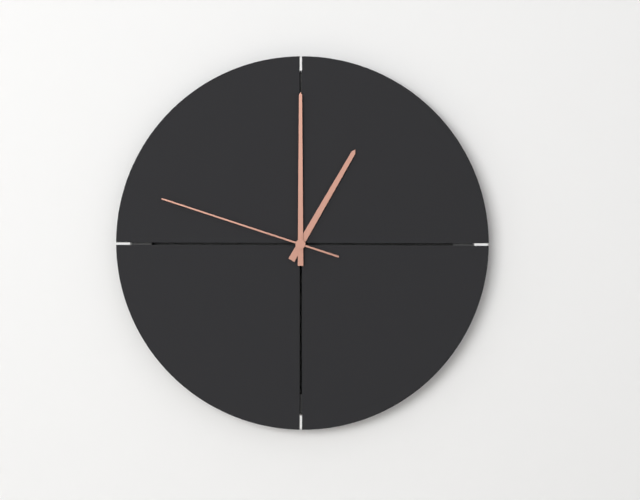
1h00m48s
